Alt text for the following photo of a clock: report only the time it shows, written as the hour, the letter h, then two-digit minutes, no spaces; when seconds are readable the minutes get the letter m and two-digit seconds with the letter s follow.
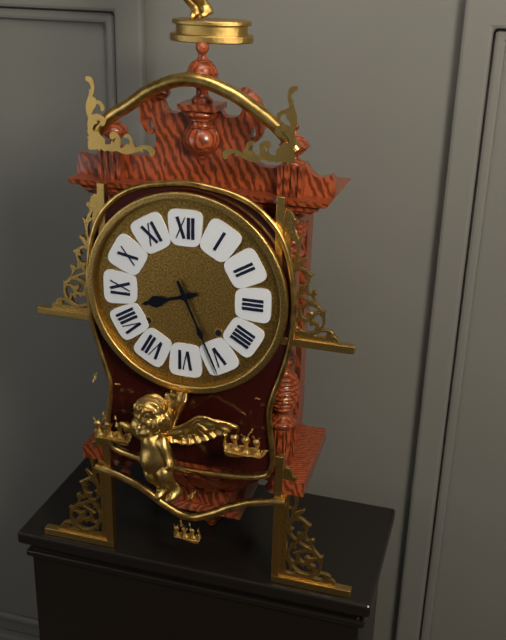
8h26
